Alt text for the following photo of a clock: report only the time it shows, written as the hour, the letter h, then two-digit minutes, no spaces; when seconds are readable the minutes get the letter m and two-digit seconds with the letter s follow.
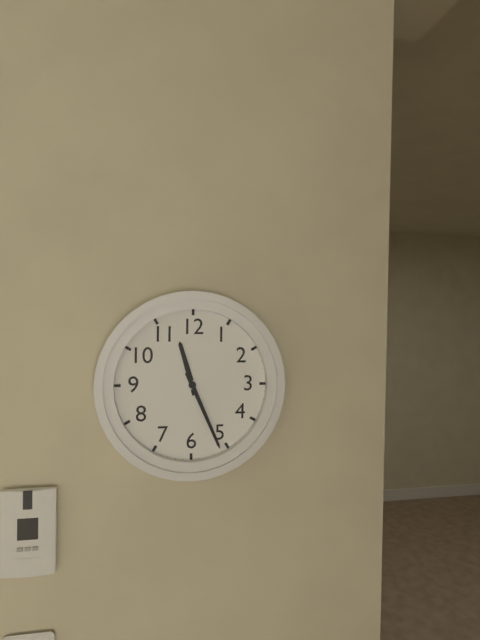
11h26
